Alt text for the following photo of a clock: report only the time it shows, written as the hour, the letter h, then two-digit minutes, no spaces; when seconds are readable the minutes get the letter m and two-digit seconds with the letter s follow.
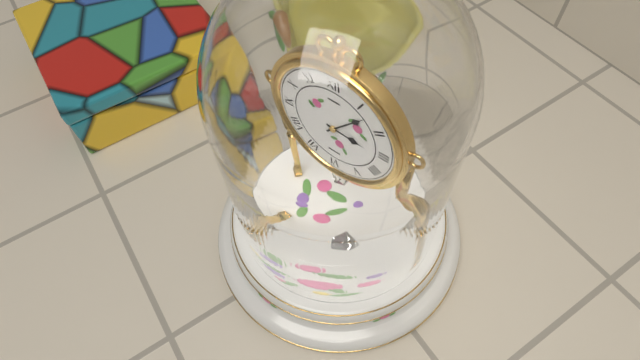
3h07
